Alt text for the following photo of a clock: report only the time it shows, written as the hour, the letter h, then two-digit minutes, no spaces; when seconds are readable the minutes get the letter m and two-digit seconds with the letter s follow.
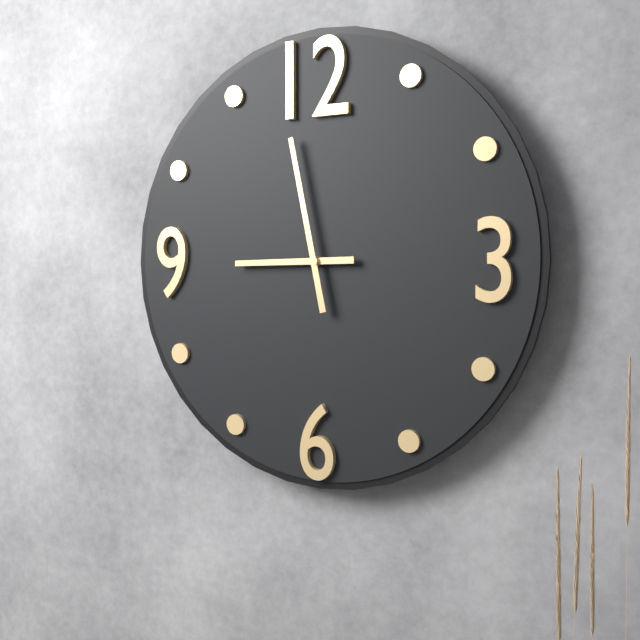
8h58
